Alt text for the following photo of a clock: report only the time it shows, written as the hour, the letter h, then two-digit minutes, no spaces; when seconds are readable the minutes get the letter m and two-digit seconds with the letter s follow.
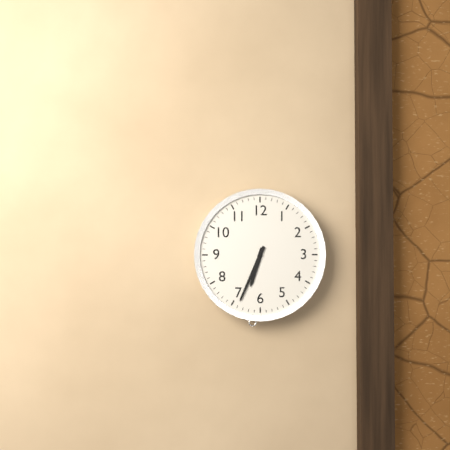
6h34
